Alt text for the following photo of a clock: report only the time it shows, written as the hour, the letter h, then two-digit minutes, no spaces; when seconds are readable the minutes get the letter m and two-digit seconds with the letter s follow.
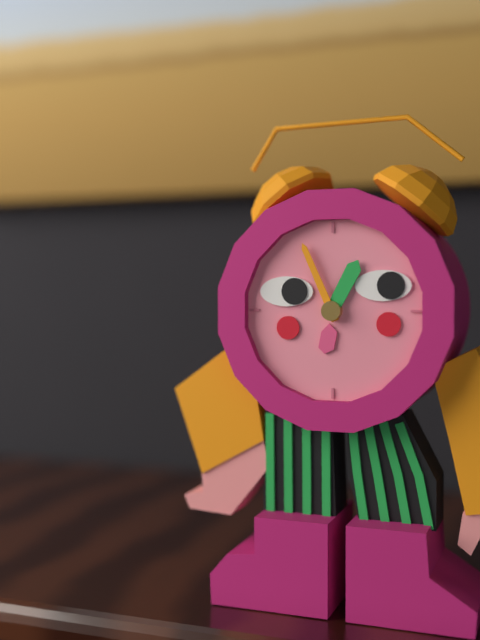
12h56
